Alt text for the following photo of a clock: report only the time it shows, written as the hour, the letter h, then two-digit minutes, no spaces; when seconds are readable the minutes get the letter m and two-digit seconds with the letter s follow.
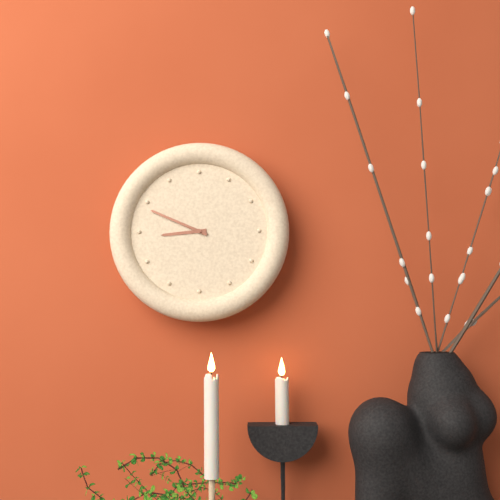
8h49
